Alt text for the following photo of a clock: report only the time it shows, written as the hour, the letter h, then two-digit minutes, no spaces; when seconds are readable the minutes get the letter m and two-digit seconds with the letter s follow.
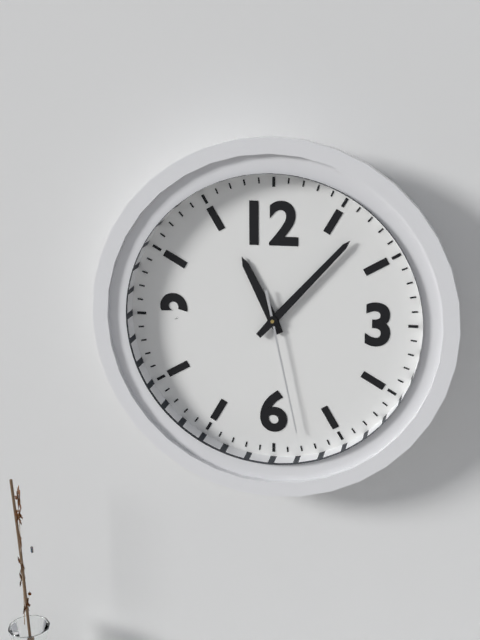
11h07m28s
